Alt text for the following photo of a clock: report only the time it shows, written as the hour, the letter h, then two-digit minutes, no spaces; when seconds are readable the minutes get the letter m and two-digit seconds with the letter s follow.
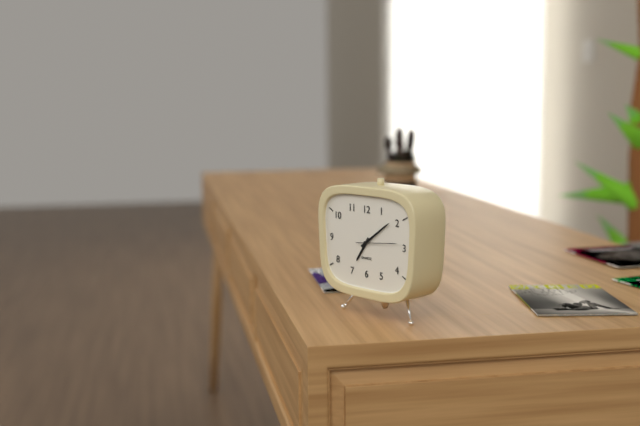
7h09
